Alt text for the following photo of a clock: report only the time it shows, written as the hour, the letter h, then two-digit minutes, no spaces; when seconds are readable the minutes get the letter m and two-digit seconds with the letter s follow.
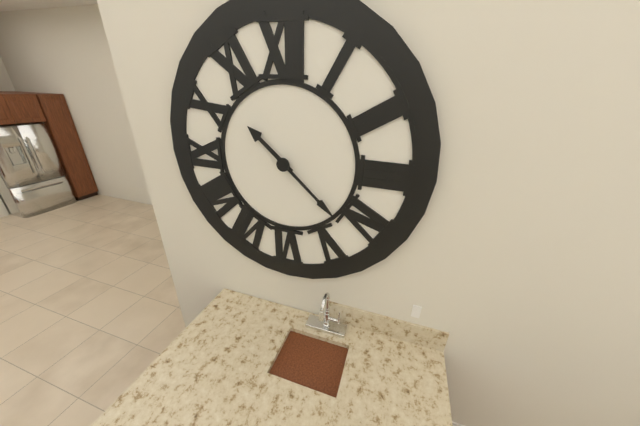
10h22
